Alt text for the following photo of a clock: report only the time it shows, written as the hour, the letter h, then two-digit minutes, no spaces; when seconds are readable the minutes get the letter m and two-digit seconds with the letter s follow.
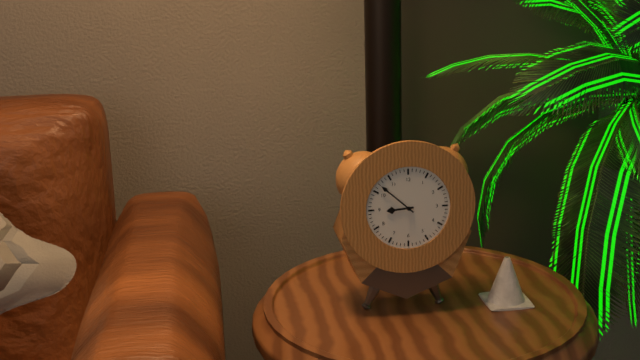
8h52
